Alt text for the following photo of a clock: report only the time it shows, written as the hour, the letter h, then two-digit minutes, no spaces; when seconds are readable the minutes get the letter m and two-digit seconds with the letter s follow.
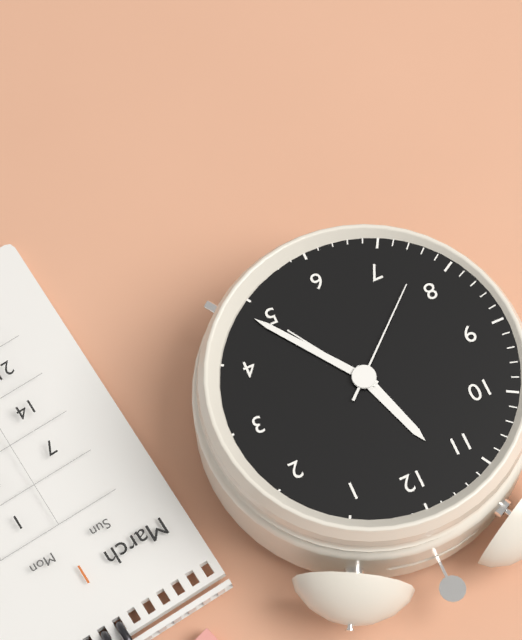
11h24m38s
